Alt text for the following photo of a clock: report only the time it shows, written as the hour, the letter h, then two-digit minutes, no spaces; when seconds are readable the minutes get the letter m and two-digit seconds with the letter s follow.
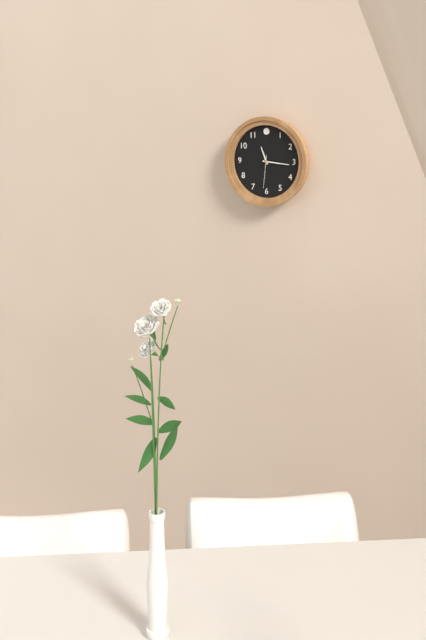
11h16
